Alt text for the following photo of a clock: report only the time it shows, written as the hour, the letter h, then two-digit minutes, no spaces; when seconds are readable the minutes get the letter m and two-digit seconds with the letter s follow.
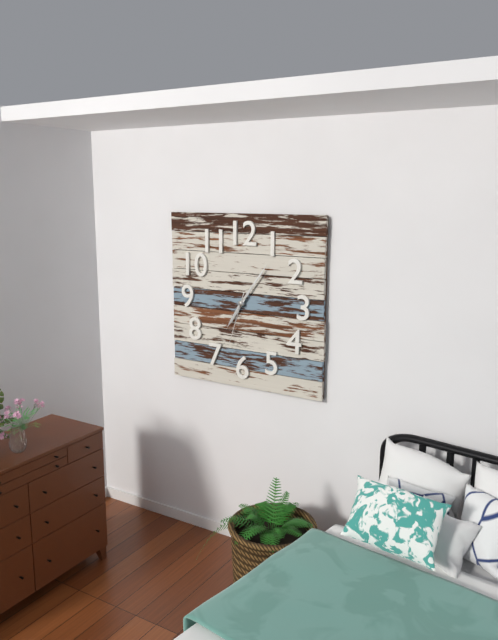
7h06m33s
